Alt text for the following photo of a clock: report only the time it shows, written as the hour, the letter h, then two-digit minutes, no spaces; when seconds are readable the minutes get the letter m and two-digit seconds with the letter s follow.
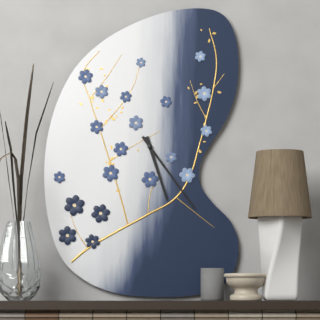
5h24
